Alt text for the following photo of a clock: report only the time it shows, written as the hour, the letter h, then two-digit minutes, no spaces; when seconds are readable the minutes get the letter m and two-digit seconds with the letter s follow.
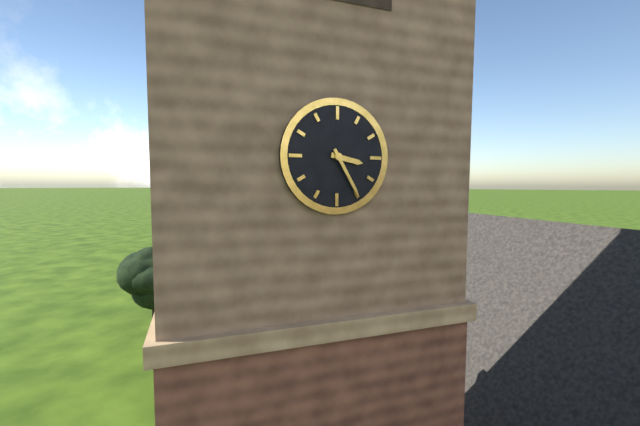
3h25
